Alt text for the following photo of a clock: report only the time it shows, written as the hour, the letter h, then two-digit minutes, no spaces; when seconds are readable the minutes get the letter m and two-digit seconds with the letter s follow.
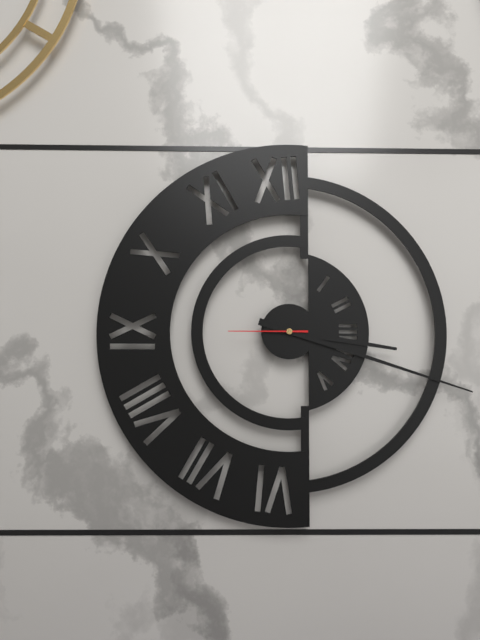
3h18m45s
